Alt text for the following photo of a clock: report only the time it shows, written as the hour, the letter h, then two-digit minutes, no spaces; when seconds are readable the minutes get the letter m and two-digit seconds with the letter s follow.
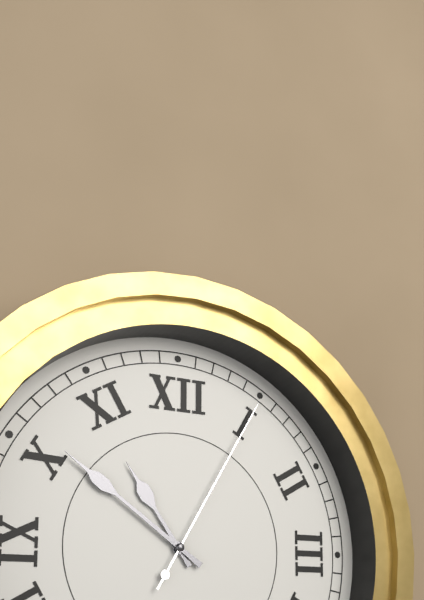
10h51m05s
